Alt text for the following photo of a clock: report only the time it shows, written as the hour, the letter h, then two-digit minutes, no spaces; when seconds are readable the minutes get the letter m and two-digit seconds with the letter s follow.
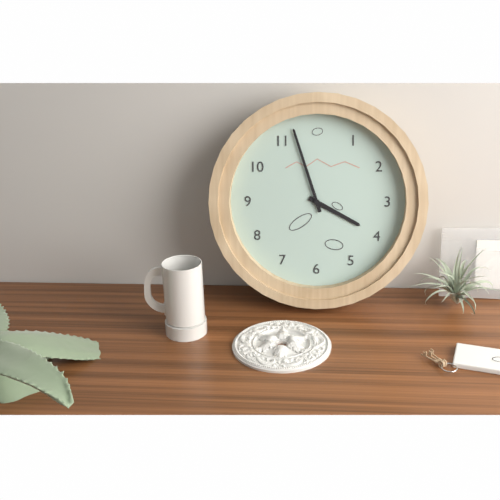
3h57
